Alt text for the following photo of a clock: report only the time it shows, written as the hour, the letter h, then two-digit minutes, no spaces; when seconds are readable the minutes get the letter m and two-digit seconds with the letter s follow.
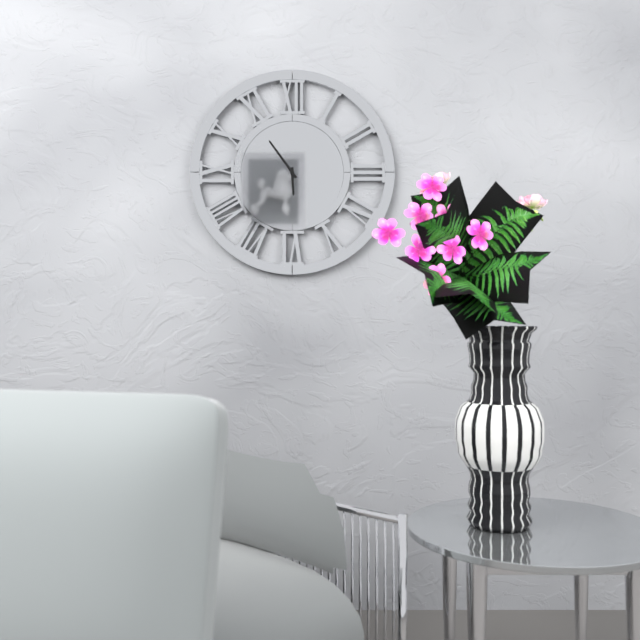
5h54
